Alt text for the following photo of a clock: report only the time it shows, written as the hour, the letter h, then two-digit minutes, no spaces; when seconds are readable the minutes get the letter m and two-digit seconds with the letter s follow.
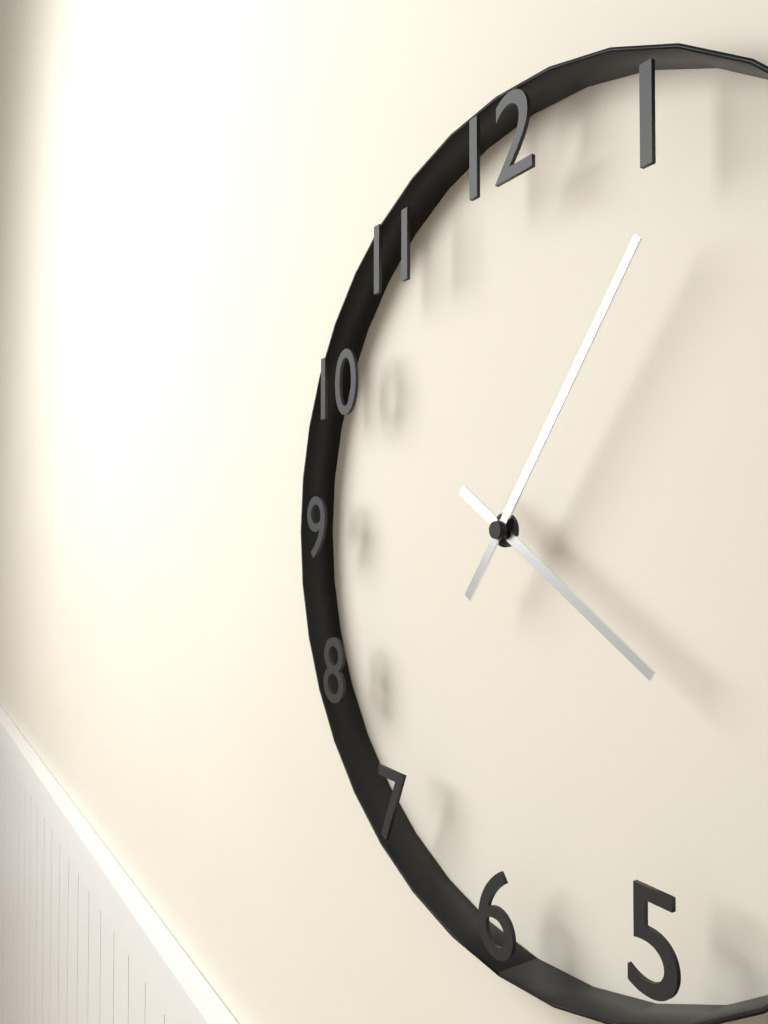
4h06
